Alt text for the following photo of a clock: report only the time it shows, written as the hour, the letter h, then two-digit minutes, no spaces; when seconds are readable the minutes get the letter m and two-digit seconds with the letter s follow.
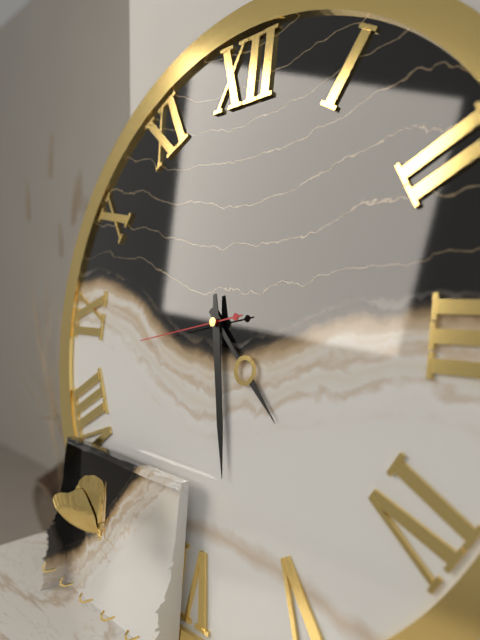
4h28m43s
